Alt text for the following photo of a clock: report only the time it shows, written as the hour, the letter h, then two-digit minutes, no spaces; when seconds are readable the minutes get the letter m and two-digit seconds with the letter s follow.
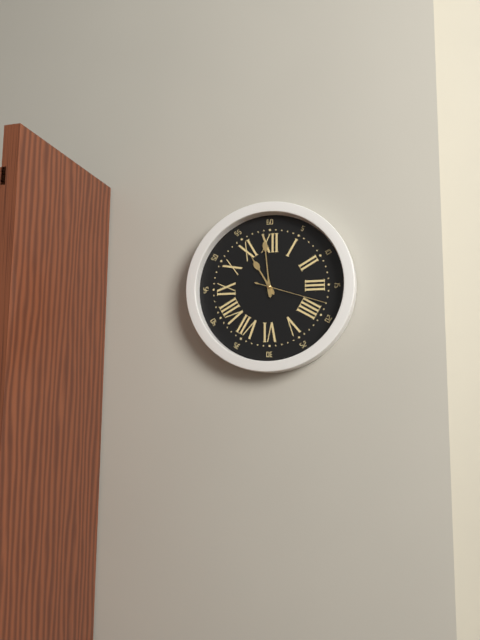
10h59m18s
